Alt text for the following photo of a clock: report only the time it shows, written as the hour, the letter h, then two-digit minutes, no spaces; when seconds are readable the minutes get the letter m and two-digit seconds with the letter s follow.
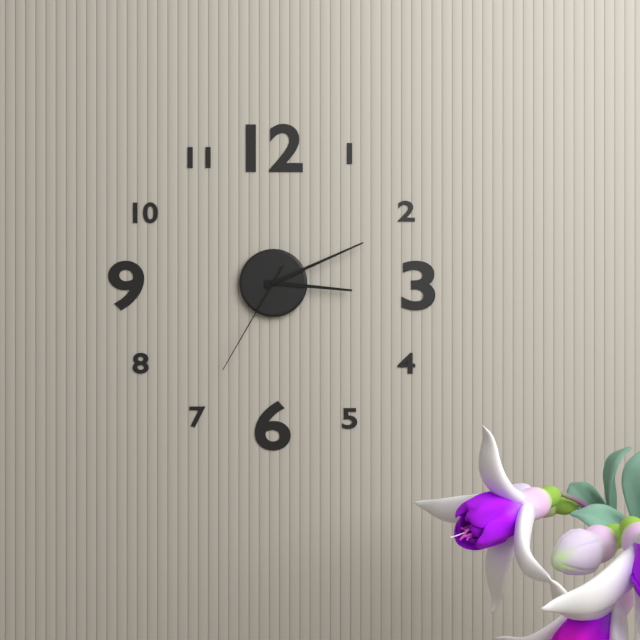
3h11m35s
